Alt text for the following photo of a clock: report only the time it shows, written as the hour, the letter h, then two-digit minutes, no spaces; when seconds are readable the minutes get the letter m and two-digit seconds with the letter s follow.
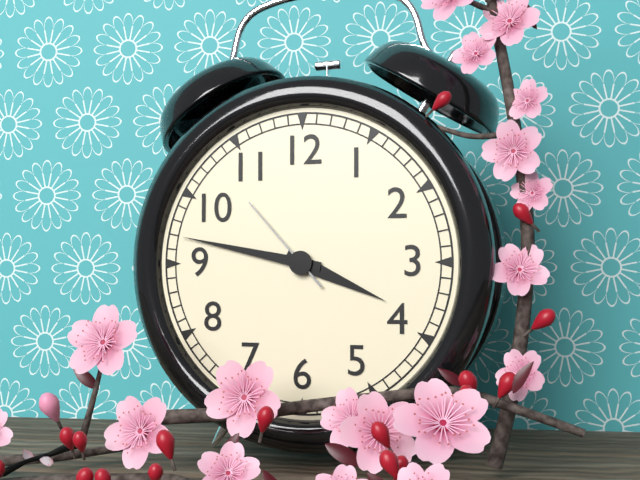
3h47m53s
